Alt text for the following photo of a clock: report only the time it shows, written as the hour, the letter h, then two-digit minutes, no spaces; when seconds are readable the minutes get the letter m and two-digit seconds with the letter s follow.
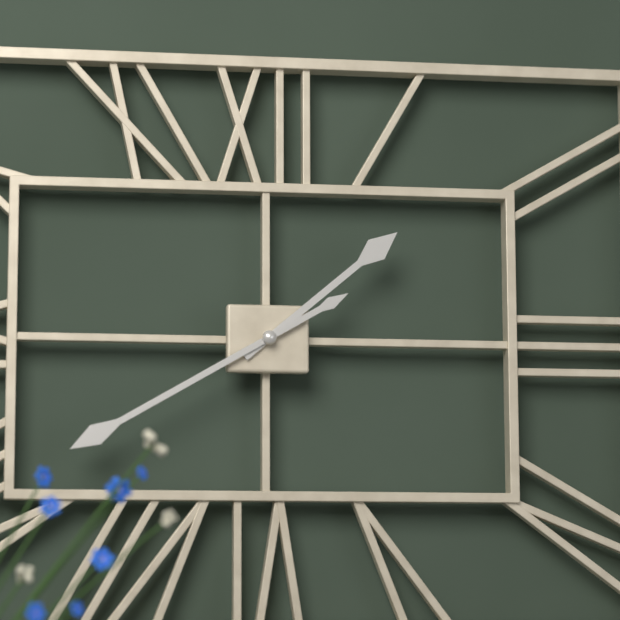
1h40
